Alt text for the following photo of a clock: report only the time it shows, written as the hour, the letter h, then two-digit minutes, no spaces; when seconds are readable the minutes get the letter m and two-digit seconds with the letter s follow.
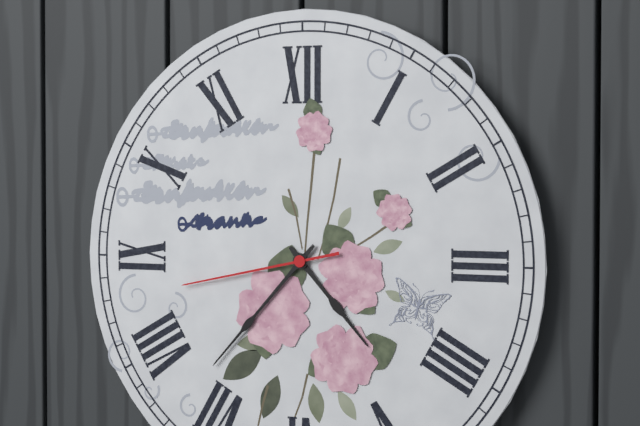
4h37m43s
